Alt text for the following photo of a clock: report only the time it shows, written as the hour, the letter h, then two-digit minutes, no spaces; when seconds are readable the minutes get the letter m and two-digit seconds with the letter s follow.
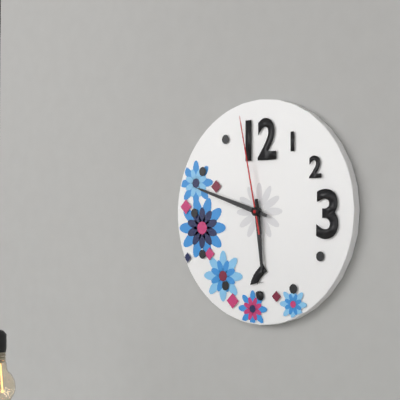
5h48m58s
